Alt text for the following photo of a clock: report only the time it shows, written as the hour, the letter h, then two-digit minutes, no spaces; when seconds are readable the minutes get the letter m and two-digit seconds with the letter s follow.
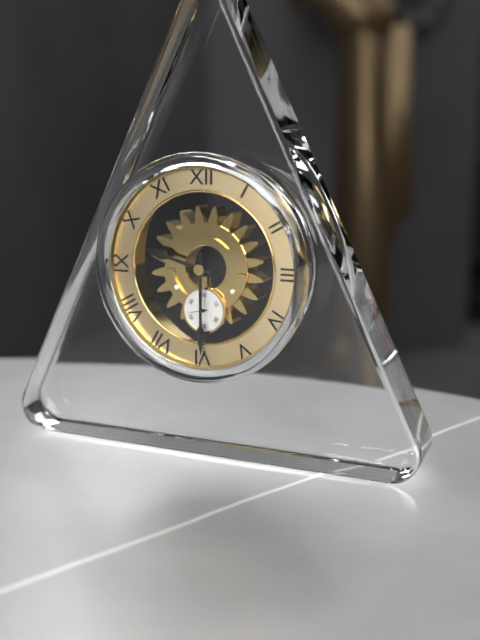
9h30
